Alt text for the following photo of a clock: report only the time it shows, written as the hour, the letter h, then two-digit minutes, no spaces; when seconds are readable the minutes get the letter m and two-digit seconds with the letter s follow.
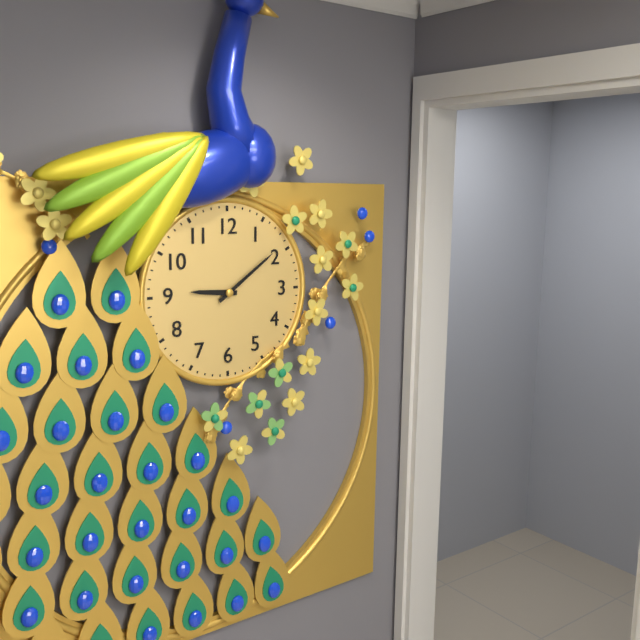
9h09
